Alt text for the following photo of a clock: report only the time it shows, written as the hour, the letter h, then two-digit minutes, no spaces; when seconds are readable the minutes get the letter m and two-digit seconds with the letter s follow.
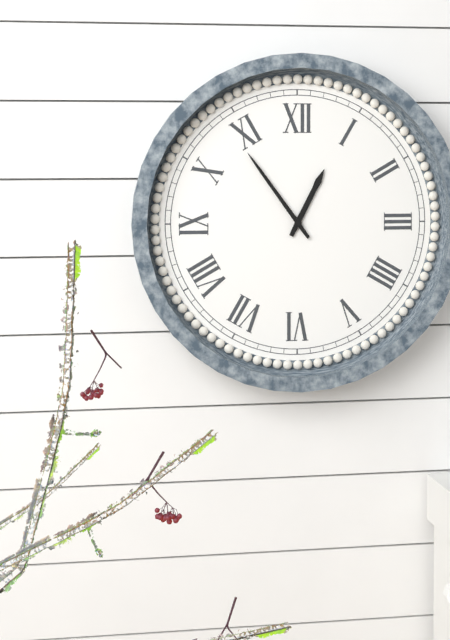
12h54
